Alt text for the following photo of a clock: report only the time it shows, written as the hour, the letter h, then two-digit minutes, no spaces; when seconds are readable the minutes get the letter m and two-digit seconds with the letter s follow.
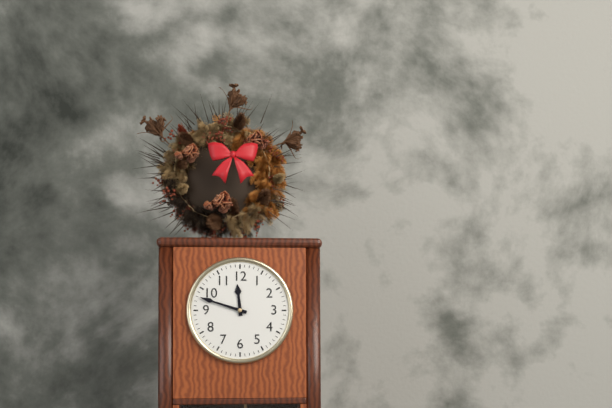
11h48
